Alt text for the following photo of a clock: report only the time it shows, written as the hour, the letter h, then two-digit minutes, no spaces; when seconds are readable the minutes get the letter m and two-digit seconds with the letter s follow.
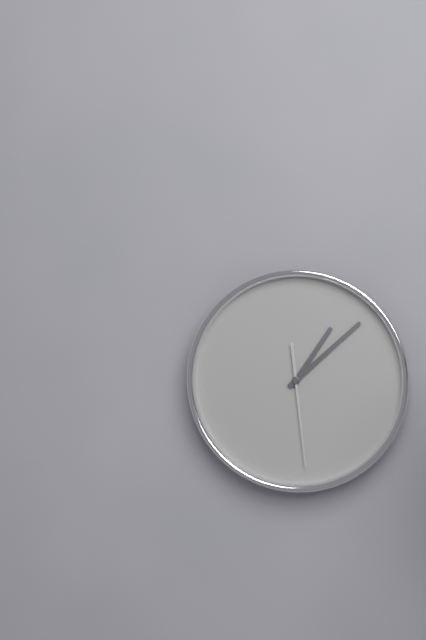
1h08m29s
